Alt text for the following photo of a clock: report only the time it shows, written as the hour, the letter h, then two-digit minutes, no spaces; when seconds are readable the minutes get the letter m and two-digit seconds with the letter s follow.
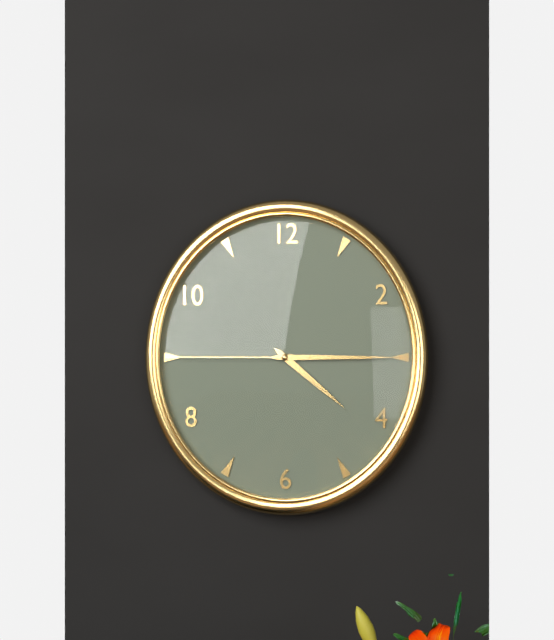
4h15m45s
